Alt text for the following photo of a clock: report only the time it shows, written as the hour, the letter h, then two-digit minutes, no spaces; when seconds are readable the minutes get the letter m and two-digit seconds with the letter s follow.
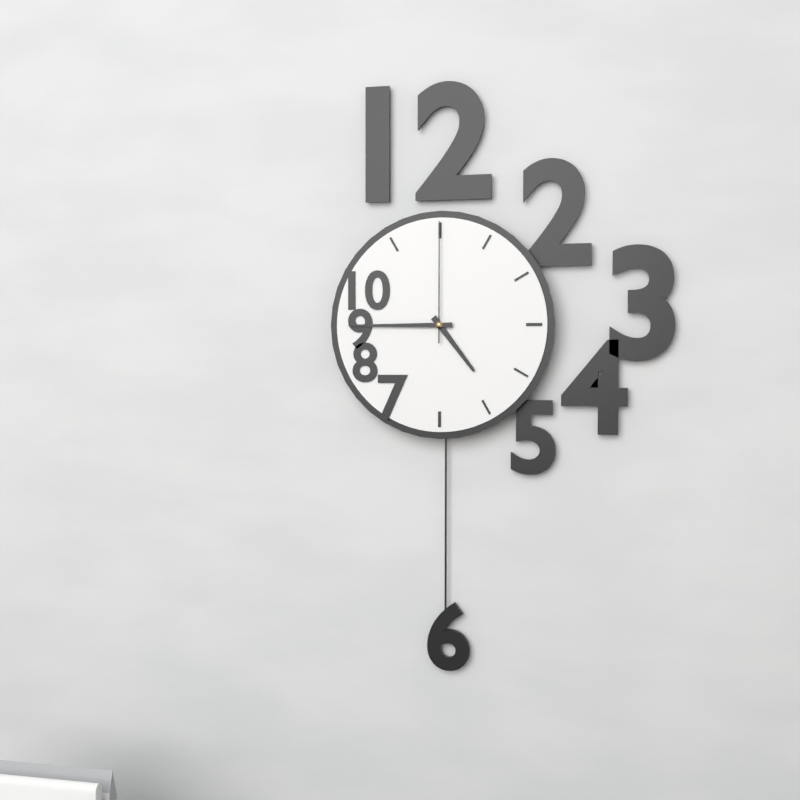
4h45m00s
